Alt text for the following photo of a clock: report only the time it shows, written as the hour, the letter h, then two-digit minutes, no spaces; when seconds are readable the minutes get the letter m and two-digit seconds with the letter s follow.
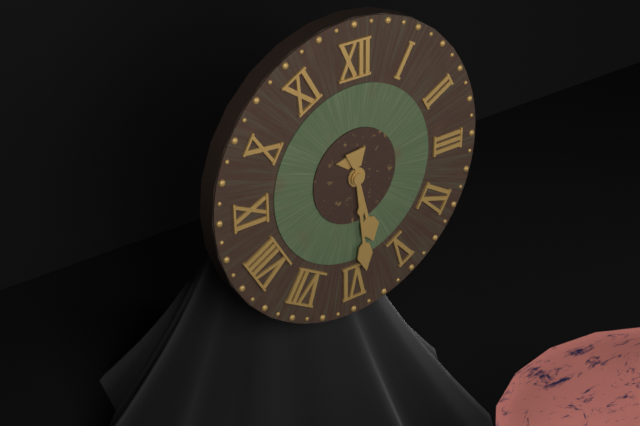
5h29
